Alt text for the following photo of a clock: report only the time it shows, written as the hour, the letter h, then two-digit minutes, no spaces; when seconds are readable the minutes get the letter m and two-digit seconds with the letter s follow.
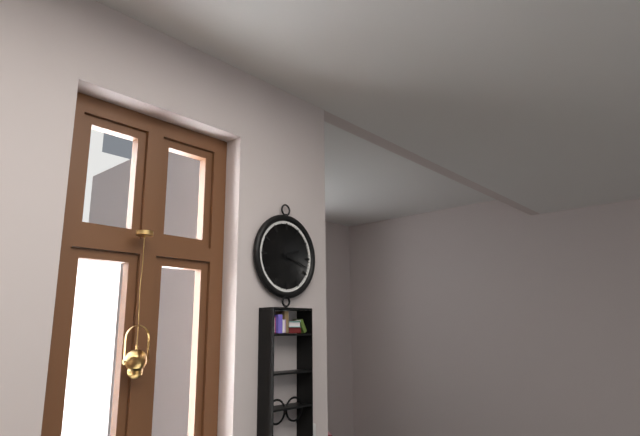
2h18
